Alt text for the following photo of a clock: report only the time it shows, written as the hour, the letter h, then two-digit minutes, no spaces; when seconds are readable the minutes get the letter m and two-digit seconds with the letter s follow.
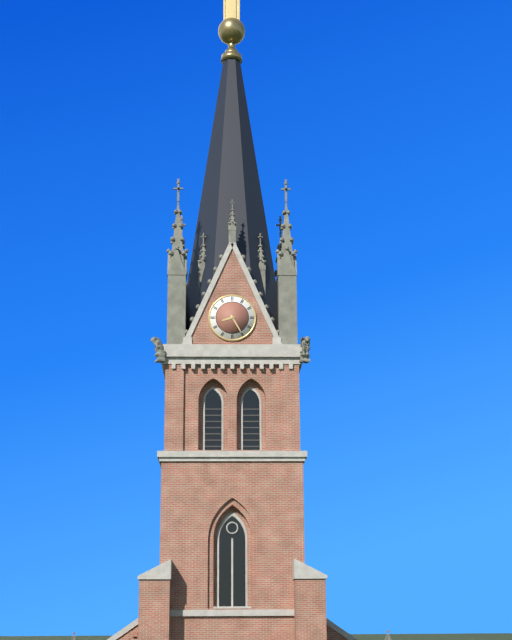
8h25
